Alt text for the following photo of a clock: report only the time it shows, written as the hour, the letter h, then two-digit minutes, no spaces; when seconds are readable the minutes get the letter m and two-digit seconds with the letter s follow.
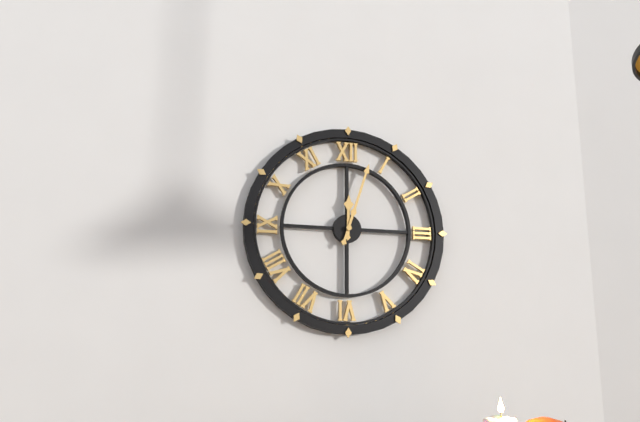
12h03
